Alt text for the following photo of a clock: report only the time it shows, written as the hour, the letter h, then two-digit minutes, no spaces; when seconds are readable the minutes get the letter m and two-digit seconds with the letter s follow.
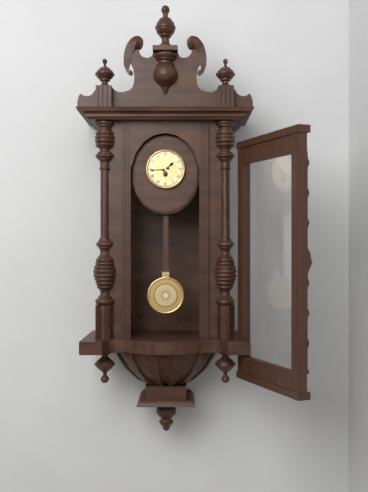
1h44
